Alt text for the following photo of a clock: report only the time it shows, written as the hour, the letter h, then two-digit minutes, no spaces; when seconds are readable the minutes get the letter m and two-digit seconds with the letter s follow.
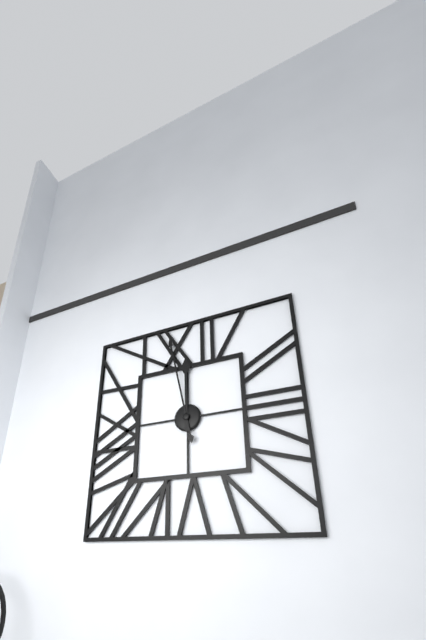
11h58
